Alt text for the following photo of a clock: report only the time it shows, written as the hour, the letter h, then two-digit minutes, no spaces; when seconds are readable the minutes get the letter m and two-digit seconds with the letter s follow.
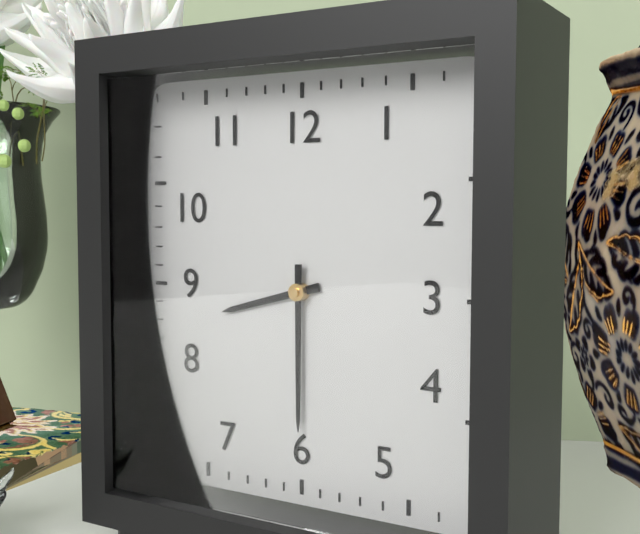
8h30
